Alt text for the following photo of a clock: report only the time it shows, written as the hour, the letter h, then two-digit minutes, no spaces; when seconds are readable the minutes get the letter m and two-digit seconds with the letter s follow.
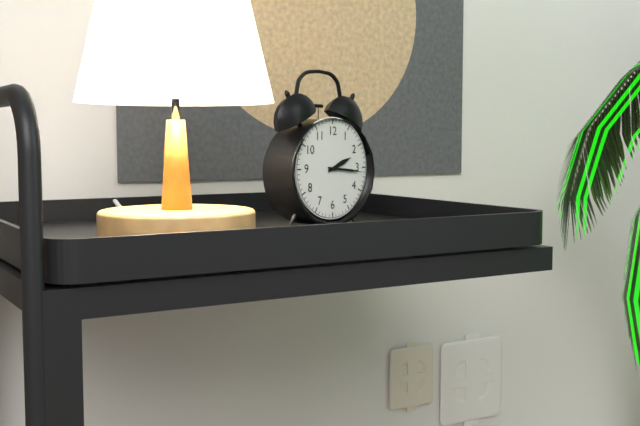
2h16
